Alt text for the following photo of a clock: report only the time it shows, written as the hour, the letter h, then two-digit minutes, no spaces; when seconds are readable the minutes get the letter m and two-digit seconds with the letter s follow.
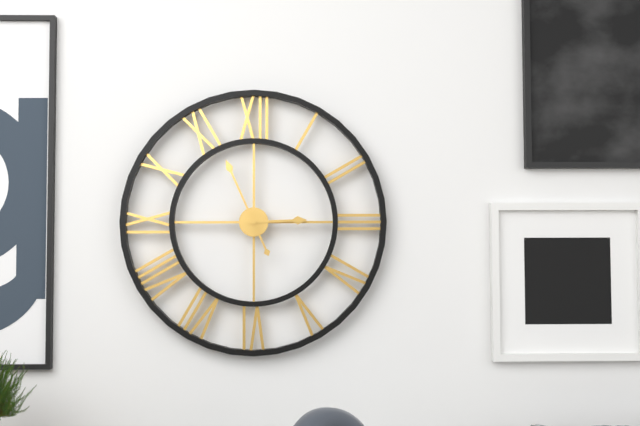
2h56
